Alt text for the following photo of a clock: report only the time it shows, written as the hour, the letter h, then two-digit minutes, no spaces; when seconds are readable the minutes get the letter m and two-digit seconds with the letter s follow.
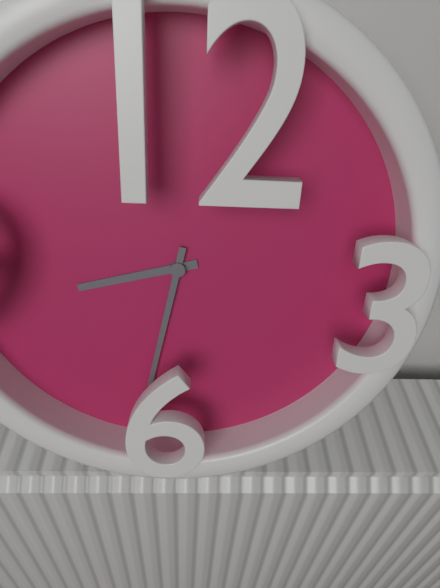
8h32
